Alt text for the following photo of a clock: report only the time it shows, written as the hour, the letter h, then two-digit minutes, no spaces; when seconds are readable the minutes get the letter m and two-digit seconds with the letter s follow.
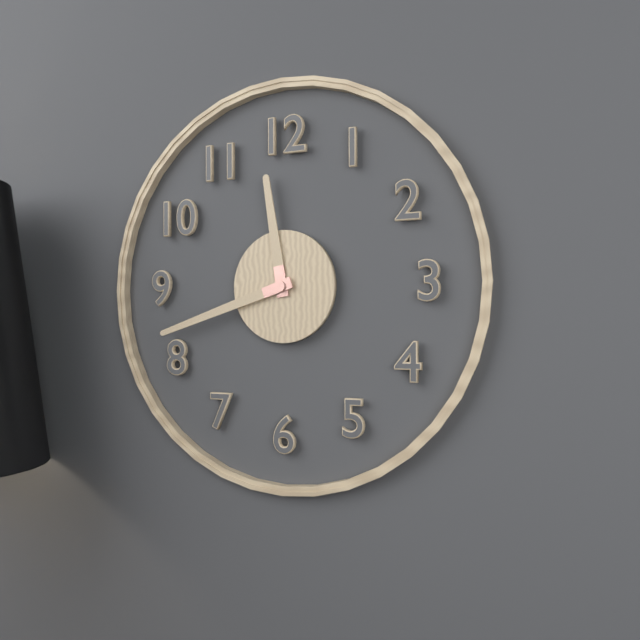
11h42
